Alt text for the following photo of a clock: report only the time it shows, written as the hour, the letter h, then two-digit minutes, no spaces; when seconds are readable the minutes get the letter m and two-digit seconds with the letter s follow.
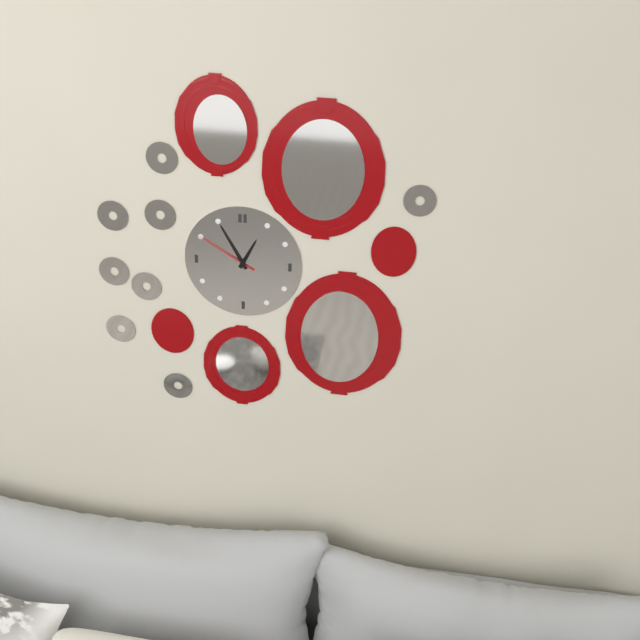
12h55m50s
